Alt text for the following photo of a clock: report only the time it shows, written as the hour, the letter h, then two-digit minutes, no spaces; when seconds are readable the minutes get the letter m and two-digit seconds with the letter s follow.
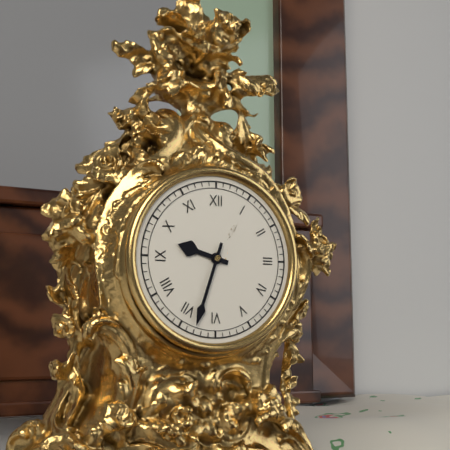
9h33
